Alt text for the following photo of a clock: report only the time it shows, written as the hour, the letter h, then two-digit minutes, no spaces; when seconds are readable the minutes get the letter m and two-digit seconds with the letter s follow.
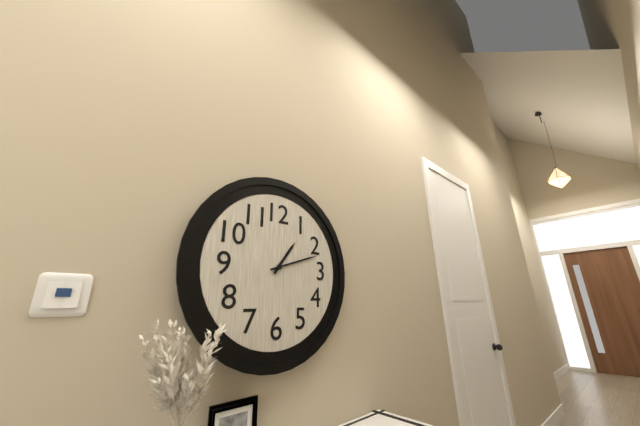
1h12
